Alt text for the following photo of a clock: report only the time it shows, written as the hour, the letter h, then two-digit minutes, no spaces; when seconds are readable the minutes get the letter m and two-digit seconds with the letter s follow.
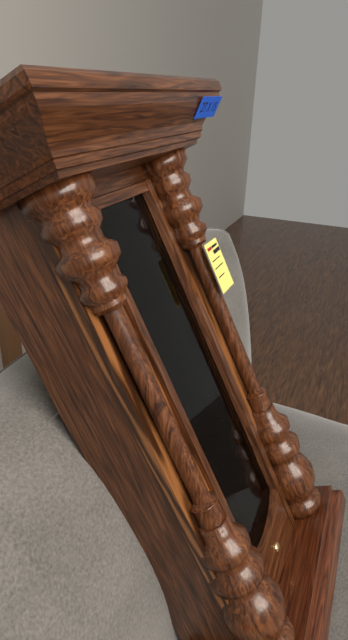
3h23
